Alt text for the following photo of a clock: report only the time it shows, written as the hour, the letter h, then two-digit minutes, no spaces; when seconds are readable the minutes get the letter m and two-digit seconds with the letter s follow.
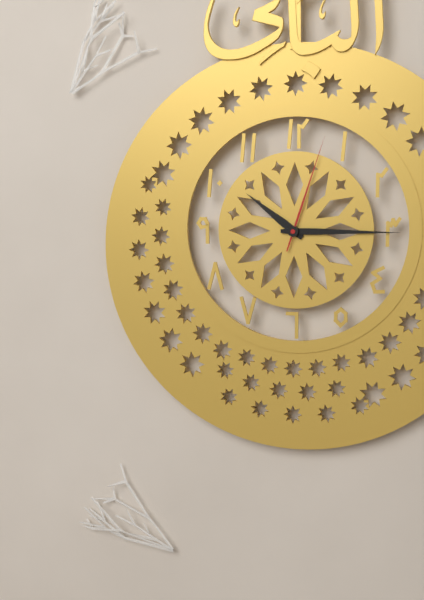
10h15m03s
